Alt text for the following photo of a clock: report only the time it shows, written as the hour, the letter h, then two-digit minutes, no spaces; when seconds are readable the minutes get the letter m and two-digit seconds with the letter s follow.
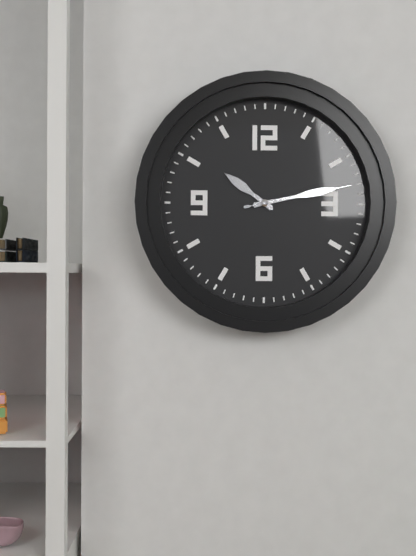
10h13m13s
